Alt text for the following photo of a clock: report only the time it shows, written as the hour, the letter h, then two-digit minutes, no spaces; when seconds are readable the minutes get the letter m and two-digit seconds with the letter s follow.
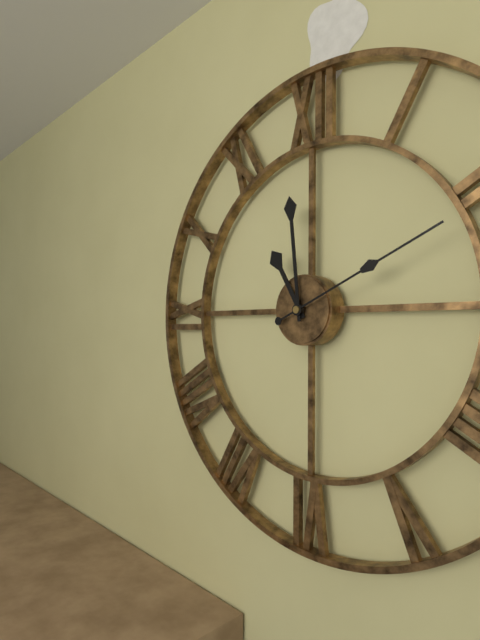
10h59m11s
